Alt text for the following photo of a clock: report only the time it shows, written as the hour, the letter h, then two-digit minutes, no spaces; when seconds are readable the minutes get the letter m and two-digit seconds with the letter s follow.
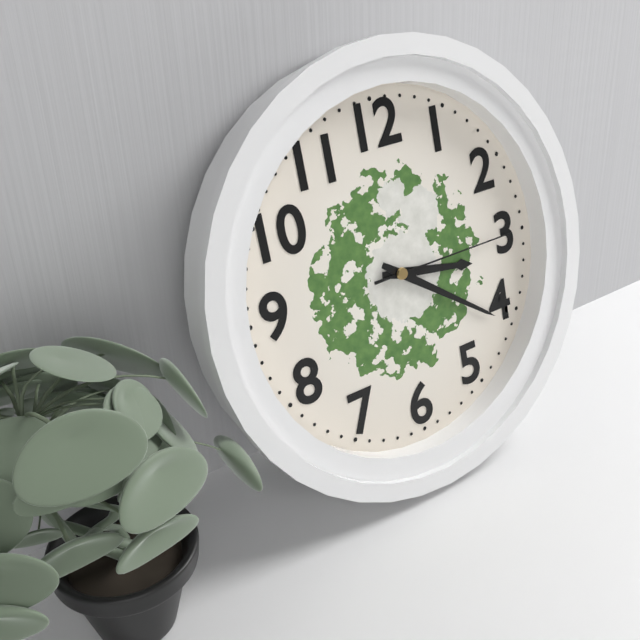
3h21m15s
